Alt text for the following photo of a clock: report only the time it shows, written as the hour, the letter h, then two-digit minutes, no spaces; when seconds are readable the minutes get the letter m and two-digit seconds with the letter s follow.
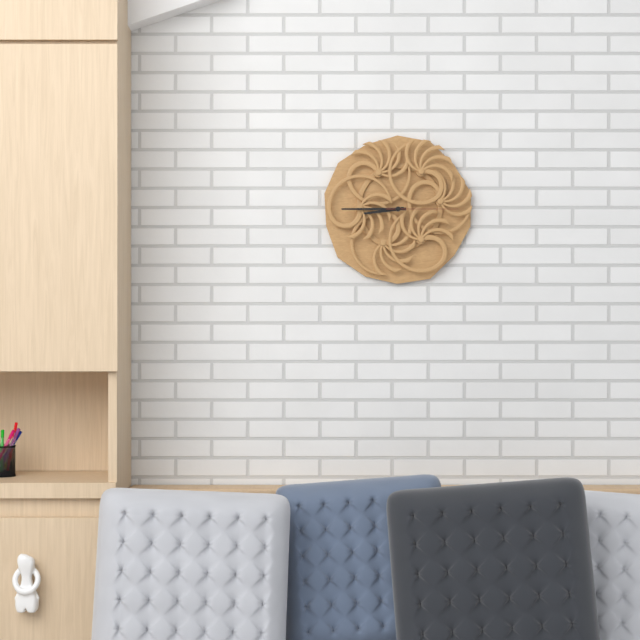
8h45m15s
